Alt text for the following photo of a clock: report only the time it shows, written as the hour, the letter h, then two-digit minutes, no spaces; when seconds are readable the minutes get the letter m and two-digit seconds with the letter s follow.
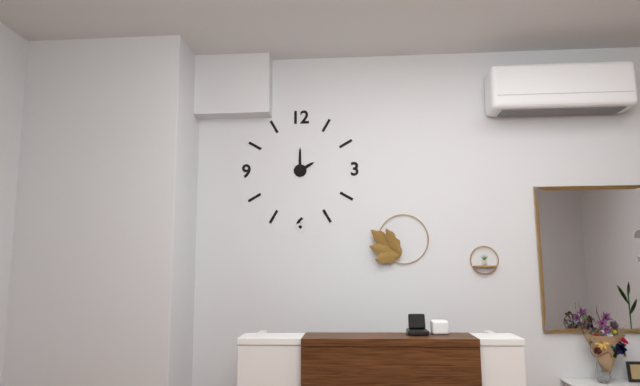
2h00
